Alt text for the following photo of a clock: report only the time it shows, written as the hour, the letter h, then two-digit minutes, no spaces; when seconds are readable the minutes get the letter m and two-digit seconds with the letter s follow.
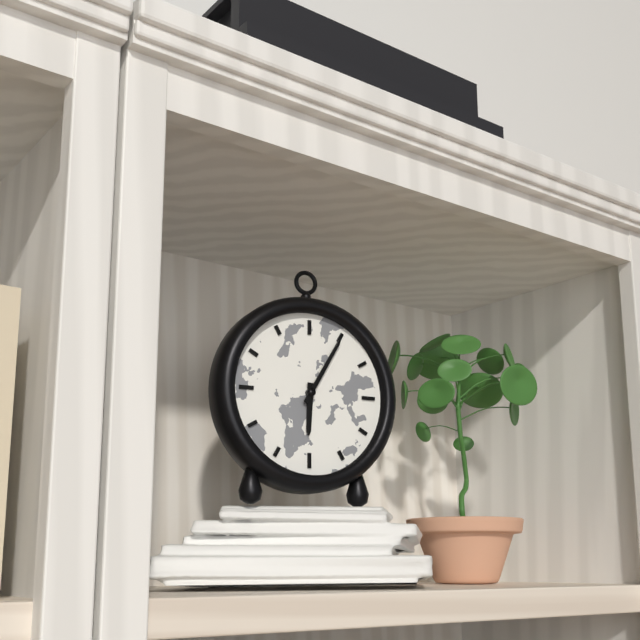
6h05
